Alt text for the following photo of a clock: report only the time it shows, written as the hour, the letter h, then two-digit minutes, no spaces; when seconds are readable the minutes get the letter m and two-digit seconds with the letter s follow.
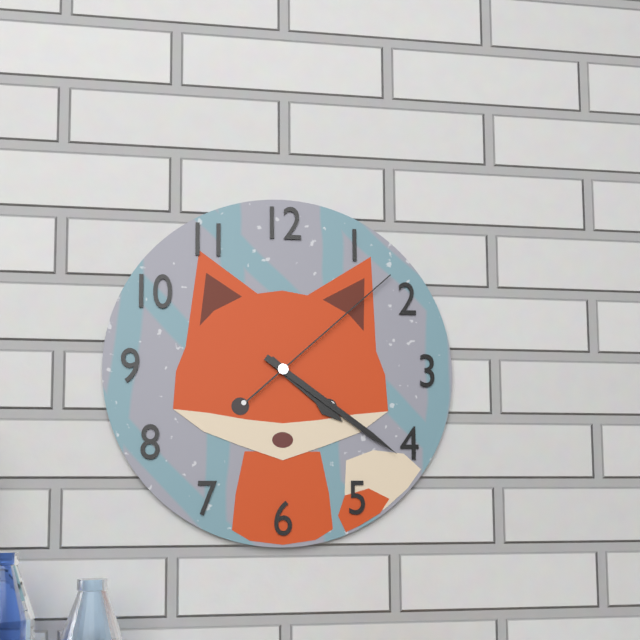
4h21m08s
